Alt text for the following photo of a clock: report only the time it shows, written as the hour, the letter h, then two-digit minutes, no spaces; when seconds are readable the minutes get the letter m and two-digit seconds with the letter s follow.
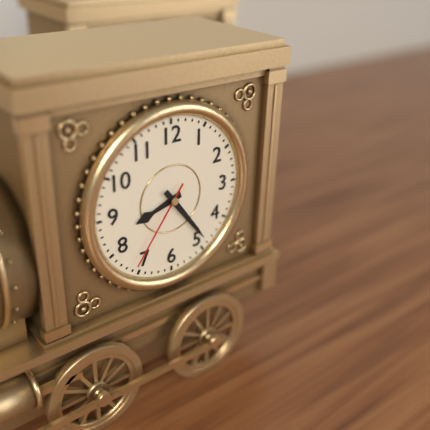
8h24m36s
